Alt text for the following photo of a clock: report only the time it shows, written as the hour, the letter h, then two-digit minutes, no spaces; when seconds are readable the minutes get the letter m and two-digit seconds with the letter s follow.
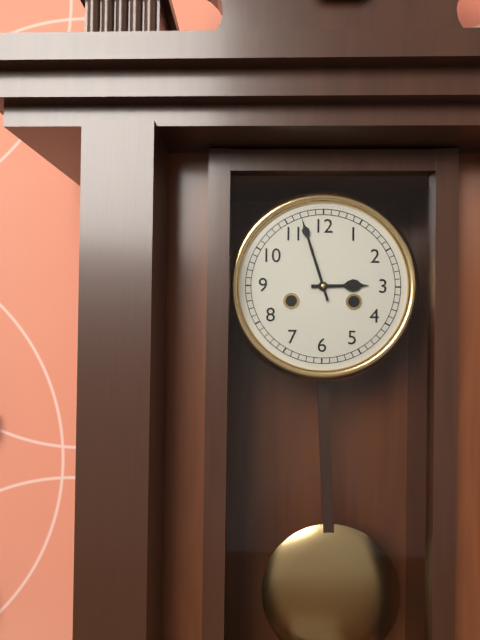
2h57
